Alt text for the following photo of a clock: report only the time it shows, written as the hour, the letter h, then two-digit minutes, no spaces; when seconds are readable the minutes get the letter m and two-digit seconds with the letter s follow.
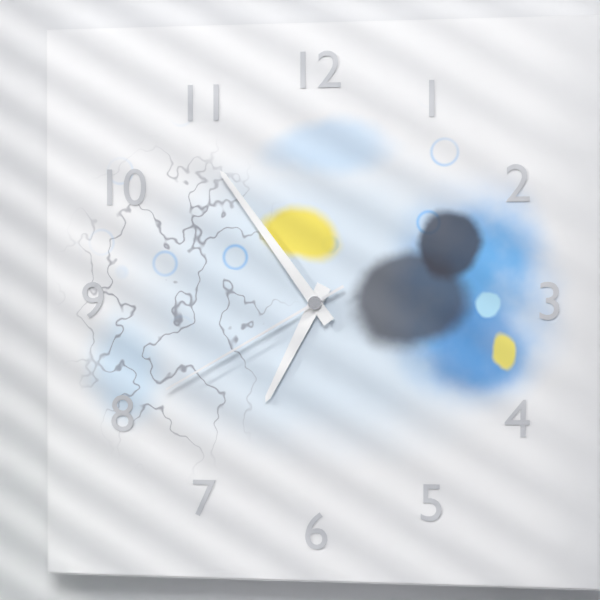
6h54m40s
